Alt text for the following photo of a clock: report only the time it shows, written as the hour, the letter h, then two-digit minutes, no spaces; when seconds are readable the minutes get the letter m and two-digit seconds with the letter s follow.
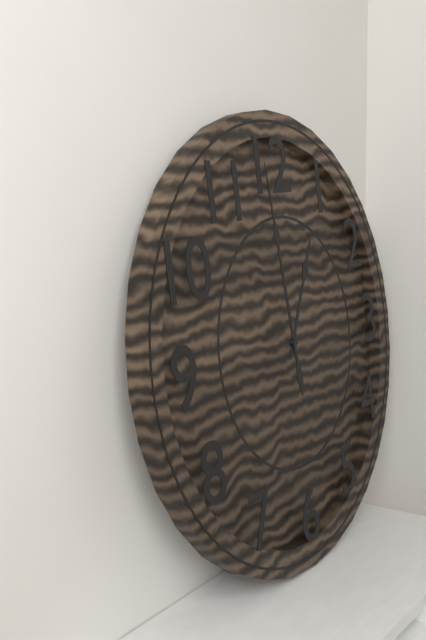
12h59
